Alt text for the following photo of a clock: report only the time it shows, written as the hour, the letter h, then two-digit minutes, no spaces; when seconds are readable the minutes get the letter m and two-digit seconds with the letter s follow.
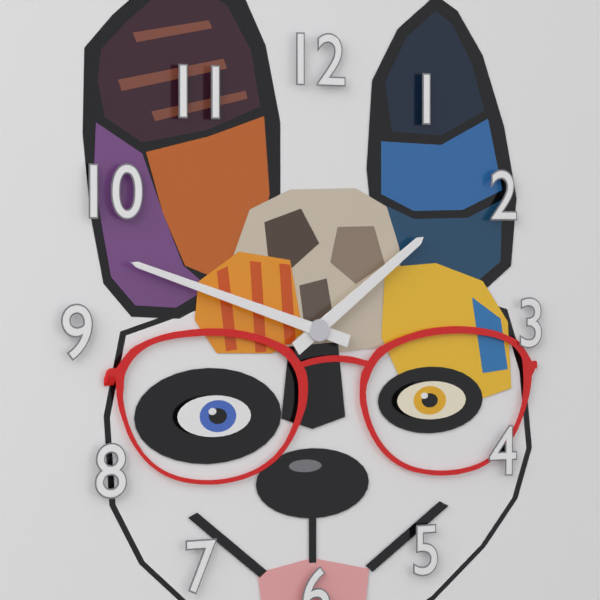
1h48
